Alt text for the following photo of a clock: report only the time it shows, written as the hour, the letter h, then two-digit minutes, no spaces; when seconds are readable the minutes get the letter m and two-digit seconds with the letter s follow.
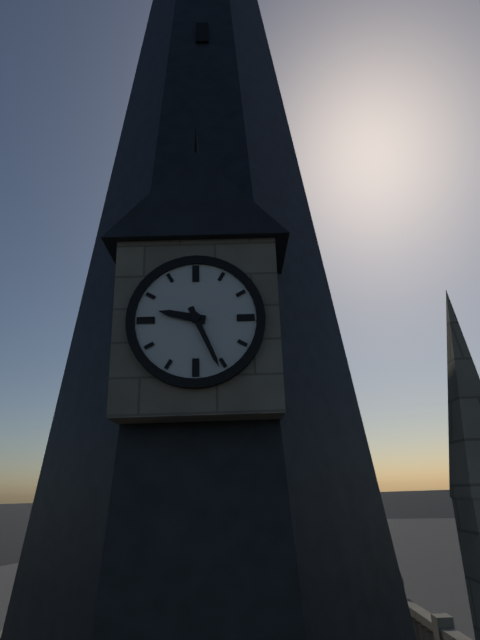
9h26
